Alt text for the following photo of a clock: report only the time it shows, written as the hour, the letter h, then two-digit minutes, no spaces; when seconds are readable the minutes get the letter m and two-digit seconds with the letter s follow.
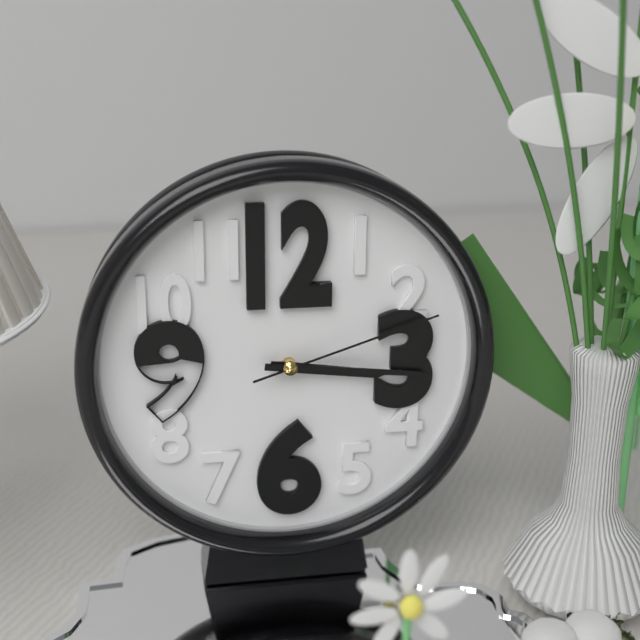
3h16m12s
